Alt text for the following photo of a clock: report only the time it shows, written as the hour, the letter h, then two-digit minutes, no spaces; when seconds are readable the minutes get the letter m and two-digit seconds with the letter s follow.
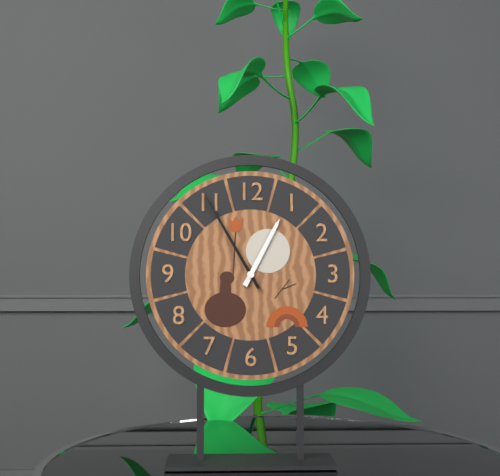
12h55
